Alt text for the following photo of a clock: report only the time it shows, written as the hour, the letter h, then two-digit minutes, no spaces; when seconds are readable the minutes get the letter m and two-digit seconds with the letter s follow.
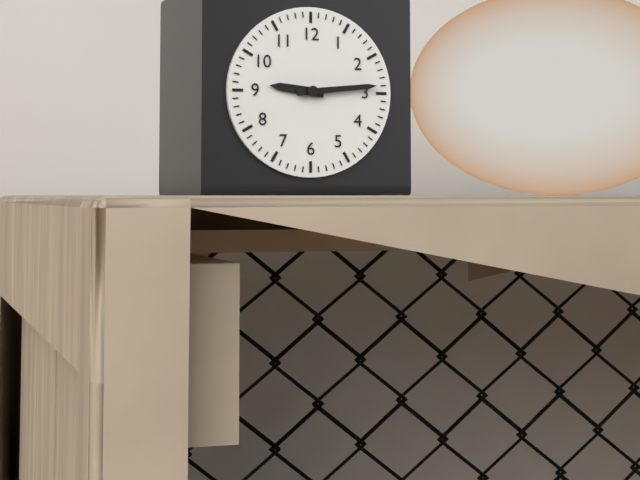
9h14
